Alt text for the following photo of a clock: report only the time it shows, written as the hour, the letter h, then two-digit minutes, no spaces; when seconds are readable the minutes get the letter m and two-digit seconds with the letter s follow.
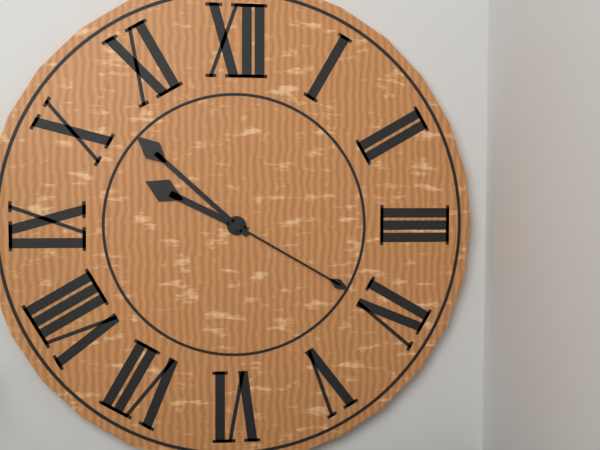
9h52m20s
